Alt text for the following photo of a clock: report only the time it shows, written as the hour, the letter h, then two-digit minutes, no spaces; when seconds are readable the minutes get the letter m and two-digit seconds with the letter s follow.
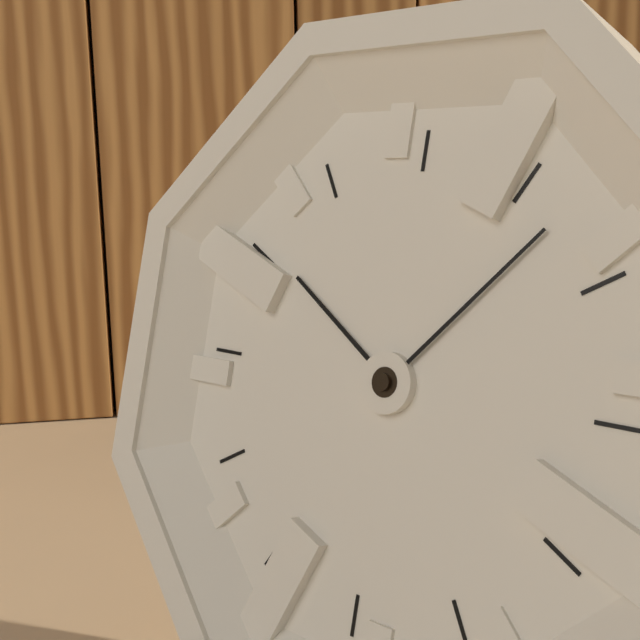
10h07
